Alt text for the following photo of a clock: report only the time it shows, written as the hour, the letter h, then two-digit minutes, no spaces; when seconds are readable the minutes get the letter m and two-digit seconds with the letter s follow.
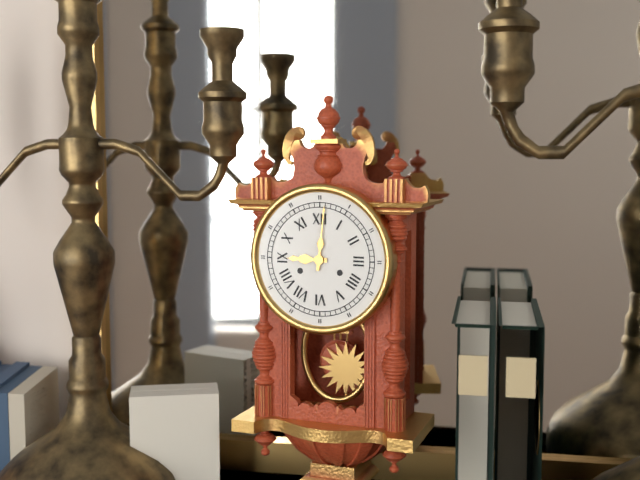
9h01
